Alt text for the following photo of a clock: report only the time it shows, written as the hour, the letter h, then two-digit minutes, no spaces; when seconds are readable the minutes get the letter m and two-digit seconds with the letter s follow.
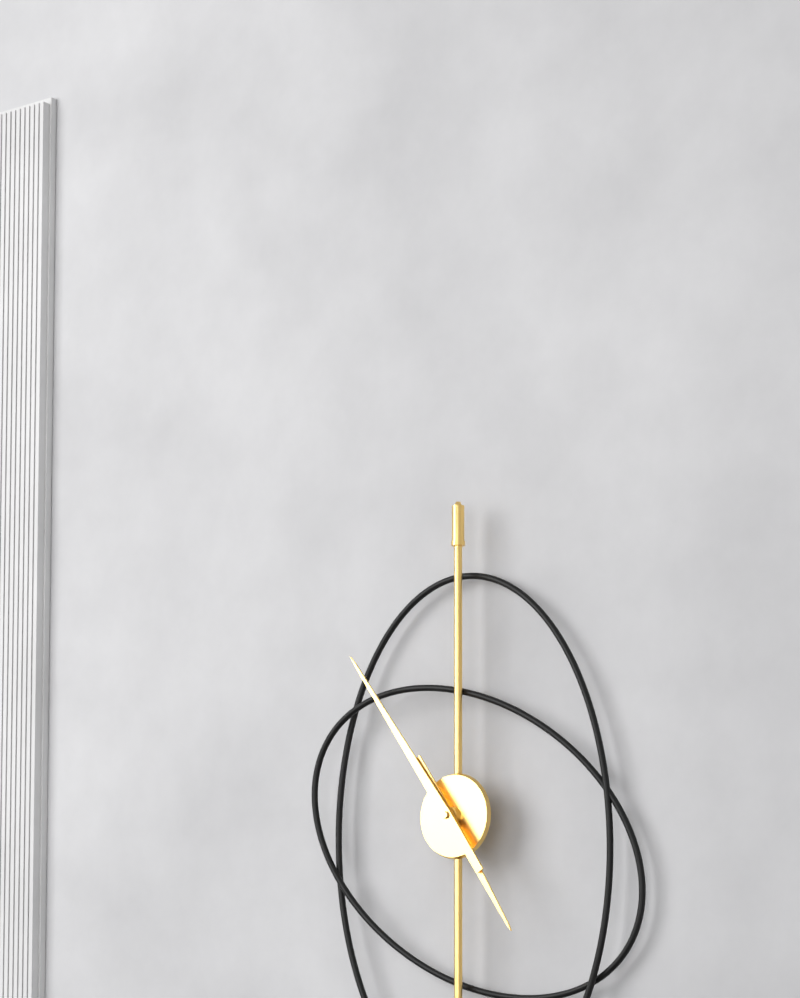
4h54
